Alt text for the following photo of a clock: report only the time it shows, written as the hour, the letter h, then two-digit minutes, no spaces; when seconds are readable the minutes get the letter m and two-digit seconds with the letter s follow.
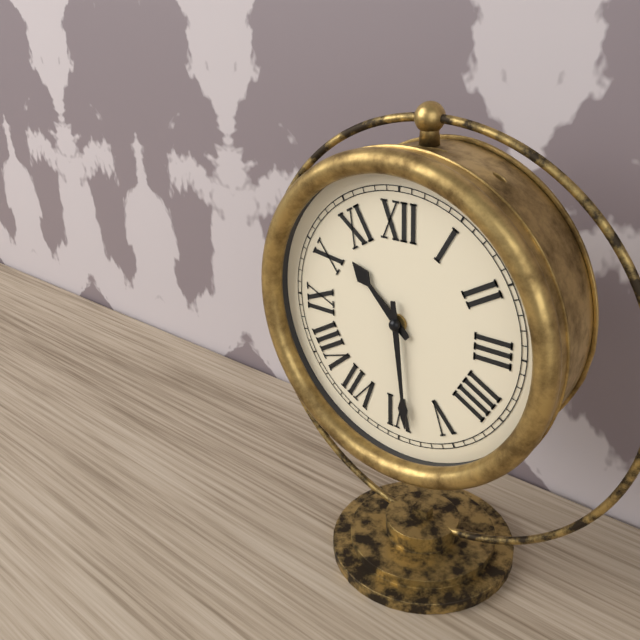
10h29
